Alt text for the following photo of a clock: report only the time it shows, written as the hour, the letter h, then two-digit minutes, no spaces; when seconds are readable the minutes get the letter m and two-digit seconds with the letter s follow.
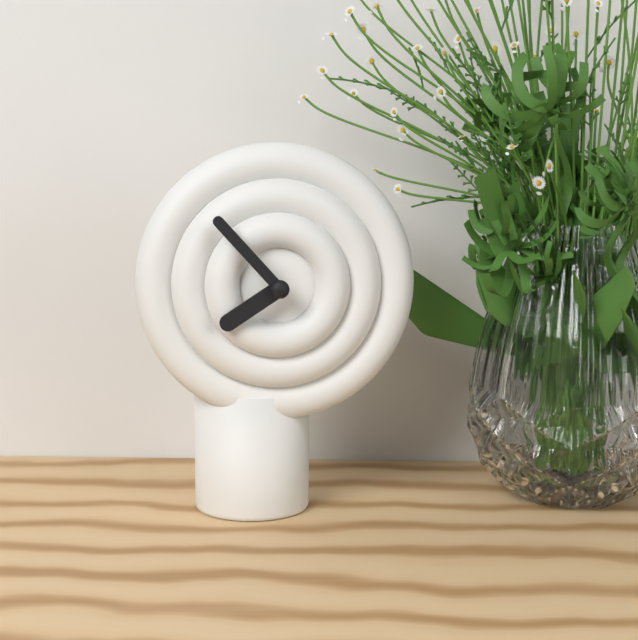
7h53
